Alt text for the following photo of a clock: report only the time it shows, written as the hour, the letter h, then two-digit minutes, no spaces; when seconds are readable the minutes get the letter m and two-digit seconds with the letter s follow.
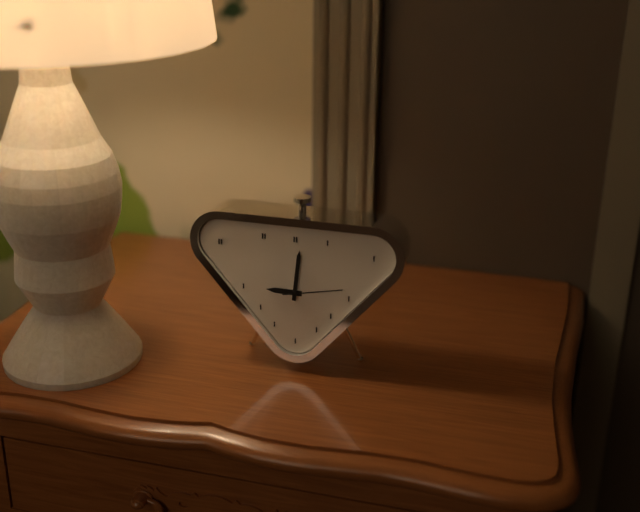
9h01m13s
